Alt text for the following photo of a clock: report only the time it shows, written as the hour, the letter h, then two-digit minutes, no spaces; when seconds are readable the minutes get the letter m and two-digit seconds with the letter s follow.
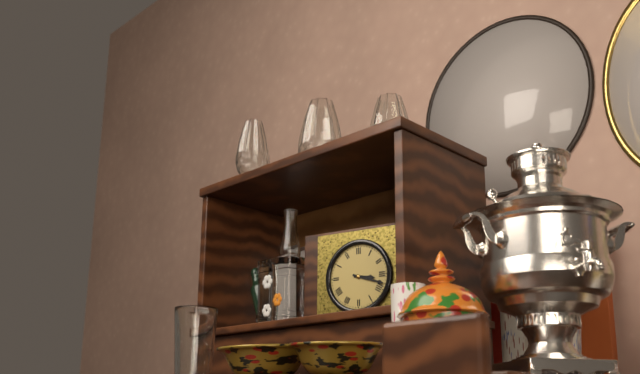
3h18
